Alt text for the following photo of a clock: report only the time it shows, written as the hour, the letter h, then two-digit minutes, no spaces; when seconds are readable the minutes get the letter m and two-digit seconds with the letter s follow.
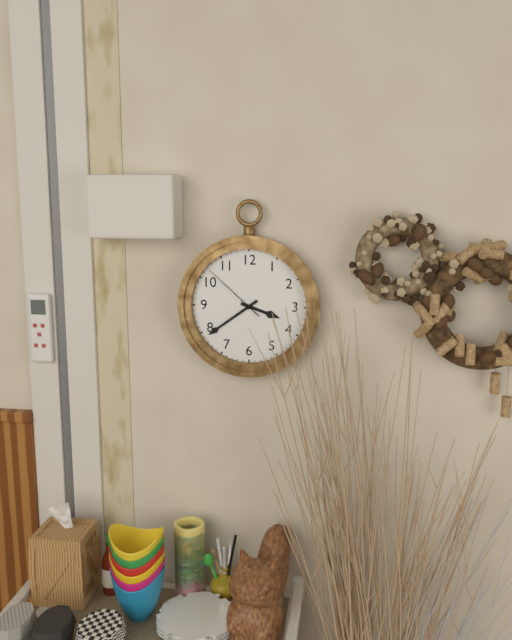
3h39m52s
